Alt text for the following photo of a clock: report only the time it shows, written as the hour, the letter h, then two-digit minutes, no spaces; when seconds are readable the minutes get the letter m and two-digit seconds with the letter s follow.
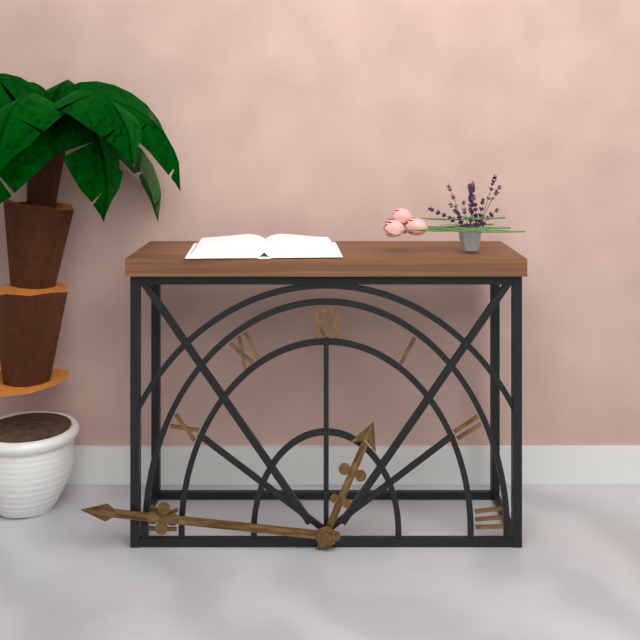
12h46
